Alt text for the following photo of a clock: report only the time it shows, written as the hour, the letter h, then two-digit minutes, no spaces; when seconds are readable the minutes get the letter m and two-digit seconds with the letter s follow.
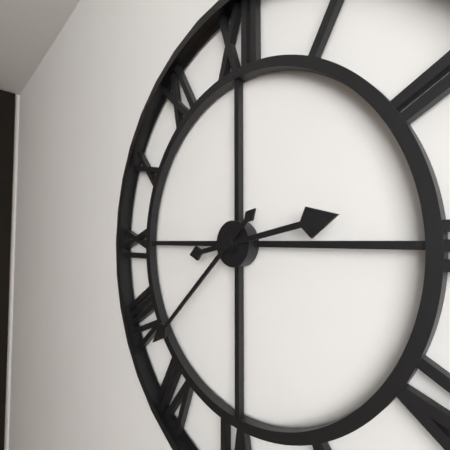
2h38
